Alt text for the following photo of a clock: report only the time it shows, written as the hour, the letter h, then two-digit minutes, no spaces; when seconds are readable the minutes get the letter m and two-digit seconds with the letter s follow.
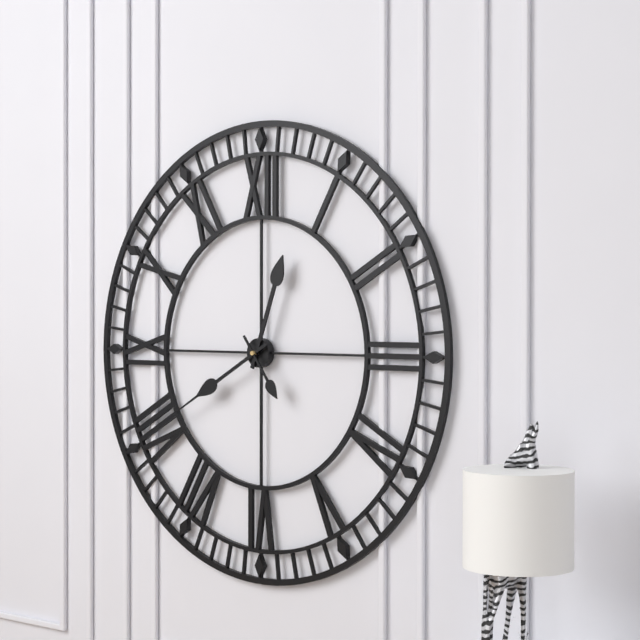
12h40m24s
